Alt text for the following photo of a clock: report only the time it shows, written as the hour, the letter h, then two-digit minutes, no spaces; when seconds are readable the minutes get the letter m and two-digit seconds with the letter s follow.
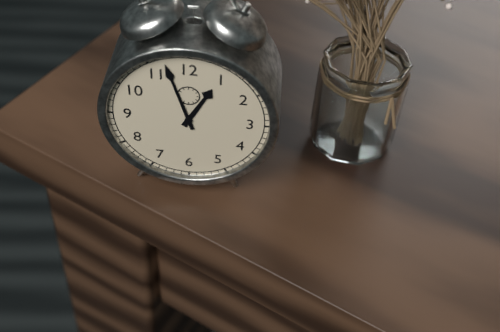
12h57
